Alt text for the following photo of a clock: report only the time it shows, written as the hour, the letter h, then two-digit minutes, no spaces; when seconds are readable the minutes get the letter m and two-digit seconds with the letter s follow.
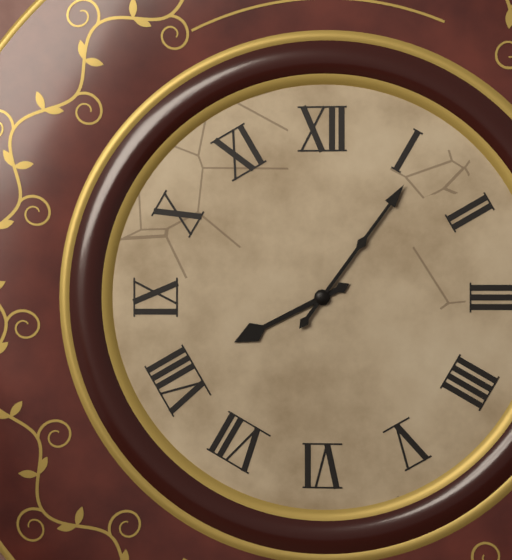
8h06
